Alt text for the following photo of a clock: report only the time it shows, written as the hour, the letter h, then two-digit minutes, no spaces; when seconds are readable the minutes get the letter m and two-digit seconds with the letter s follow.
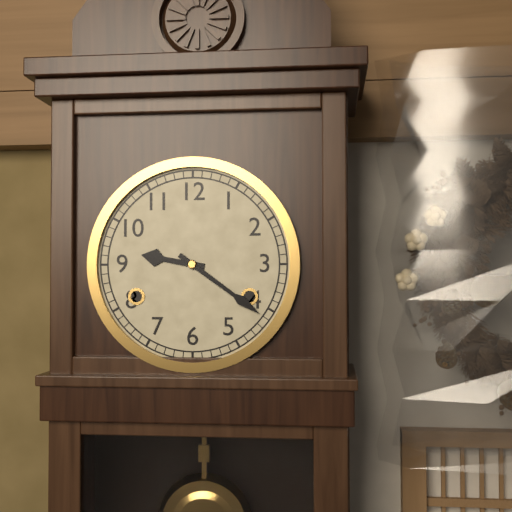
9h21
